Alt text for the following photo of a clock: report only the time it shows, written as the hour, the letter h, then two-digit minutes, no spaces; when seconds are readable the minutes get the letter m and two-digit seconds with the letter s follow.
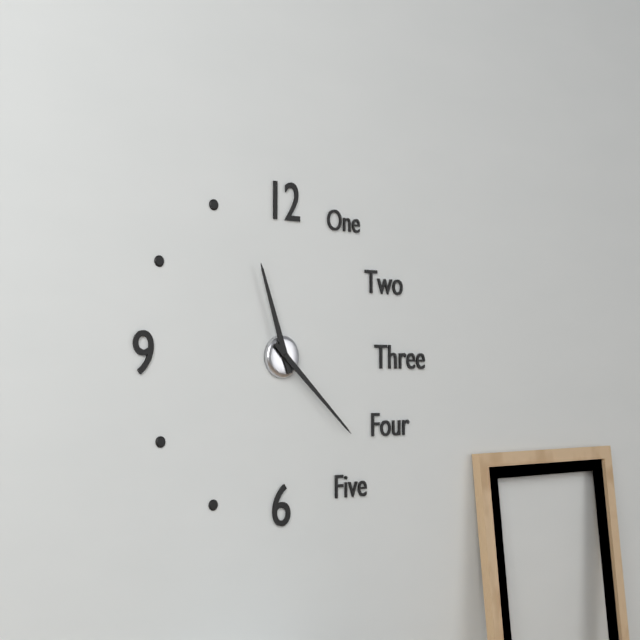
11h22
